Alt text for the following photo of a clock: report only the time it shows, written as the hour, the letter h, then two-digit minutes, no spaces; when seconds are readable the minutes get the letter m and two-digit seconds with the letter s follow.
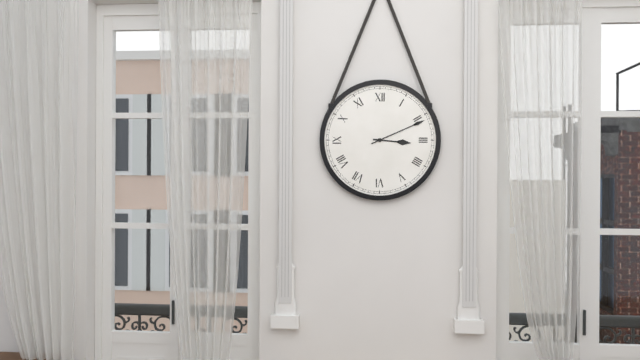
3h11
